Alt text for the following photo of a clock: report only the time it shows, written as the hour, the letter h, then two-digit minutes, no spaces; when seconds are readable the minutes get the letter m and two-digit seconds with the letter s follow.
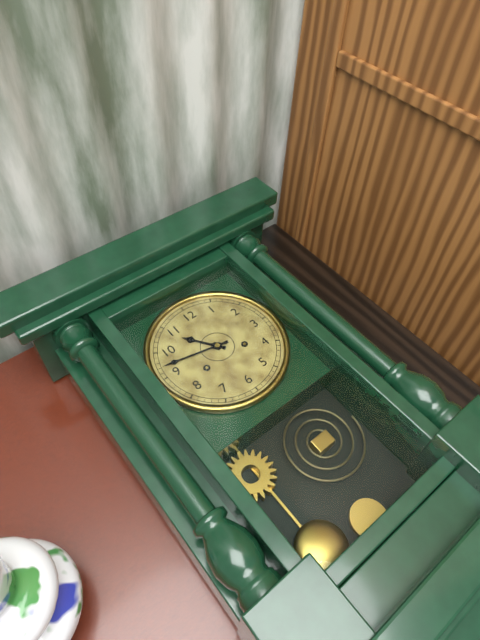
10h47
